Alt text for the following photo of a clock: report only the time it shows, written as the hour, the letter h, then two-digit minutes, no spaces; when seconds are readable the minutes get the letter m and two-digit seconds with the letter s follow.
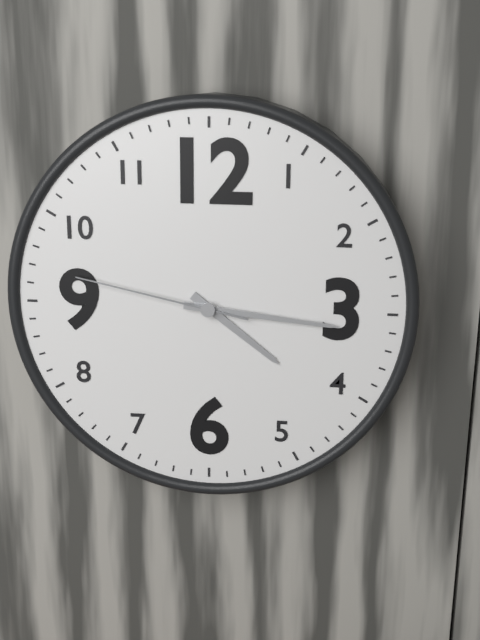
4h16m47s
